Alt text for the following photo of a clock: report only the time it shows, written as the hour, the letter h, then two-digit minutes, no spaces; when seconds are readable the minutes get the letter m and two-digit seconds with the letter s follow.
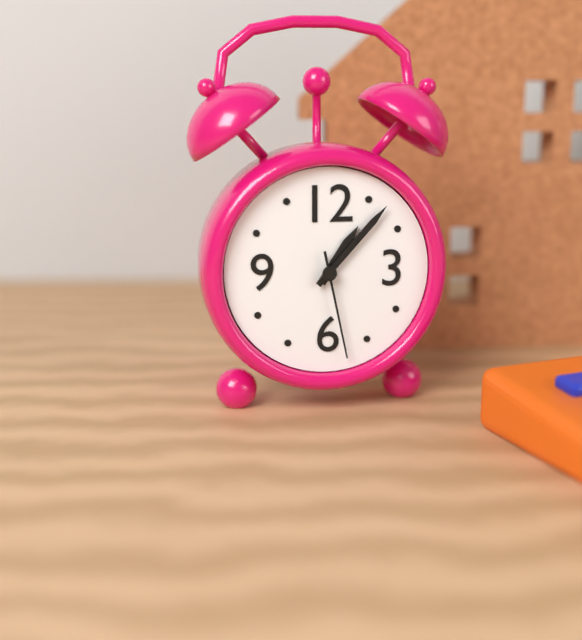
1h07m28s
